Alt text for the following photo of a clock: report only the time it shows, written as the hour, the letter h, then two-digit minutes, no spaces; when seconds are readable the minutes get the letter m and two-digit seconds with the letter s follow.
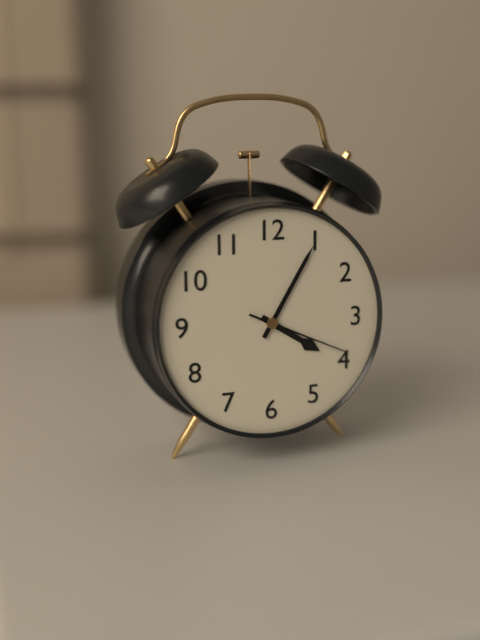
4h05m19s
